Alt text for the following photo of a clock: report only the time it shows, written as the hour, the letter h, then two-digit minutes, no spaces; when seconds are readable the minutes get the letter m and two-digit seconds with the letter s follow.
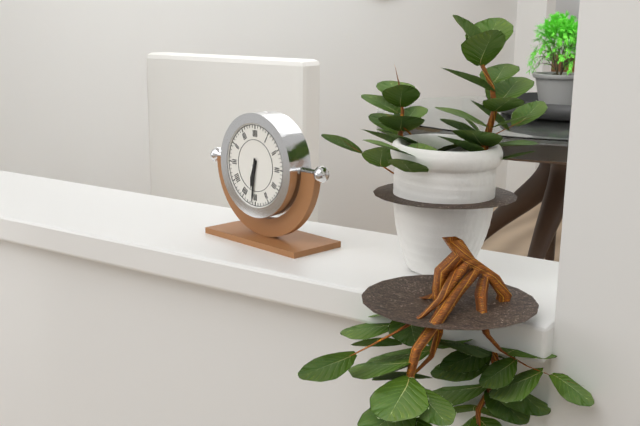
6h31
